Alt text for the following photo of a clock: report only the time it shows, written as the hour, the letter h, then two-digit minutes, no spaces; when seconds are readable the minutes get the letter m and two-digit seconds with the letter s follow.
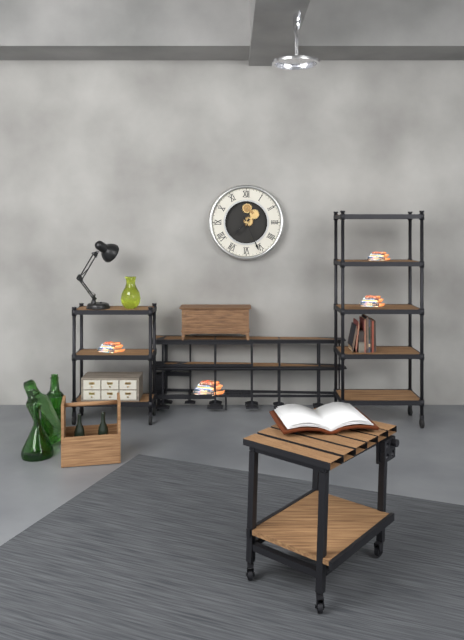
7h26
